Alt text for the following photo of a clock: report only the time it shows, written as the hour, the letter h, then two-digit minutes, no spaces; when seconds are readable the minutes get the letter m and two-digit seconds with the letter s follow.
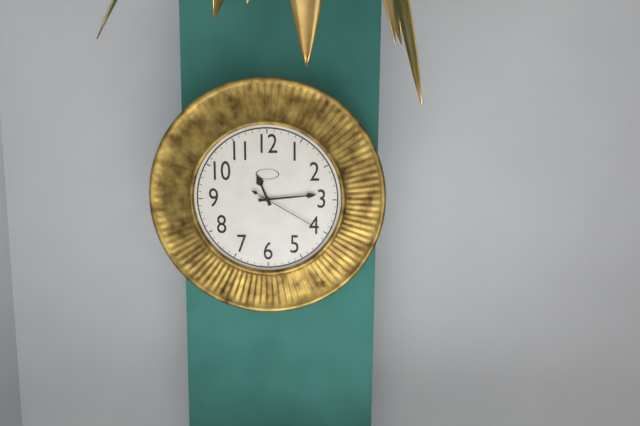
11h14m20s
